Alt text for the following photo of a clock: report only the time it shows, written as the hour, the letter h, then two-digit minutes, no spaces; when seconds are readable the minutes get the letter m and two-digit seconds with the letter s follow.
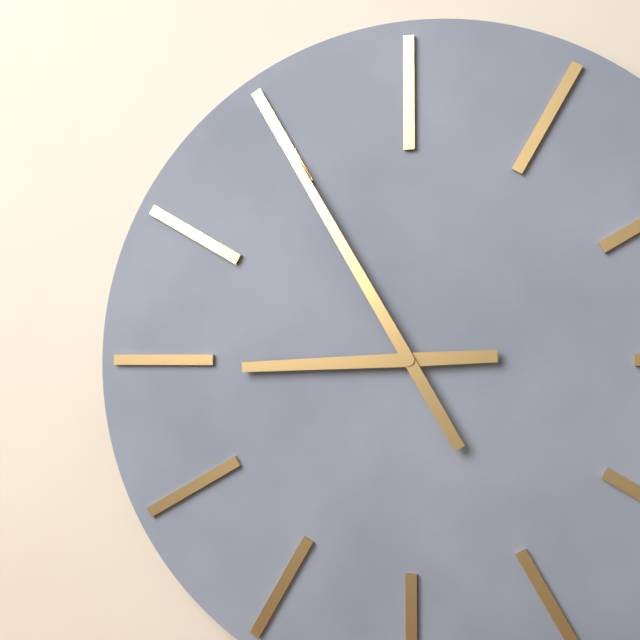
8h55
